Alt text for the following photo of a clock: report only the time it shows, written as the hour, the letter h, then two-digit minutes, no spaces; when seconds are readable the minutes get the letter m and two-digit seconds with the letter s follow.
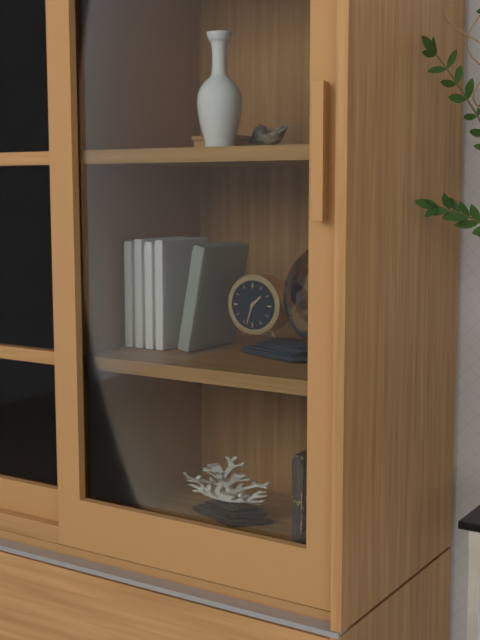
1h33
